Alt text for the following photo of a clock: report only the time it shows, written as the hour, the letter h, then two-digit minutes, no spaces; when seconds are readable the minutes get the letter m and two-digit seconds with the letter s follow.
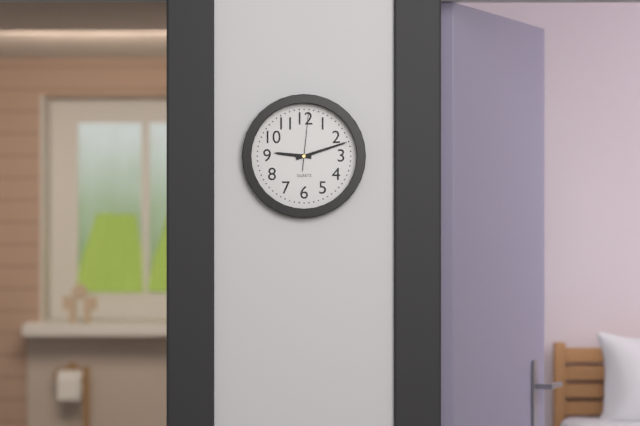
9h12m01s
